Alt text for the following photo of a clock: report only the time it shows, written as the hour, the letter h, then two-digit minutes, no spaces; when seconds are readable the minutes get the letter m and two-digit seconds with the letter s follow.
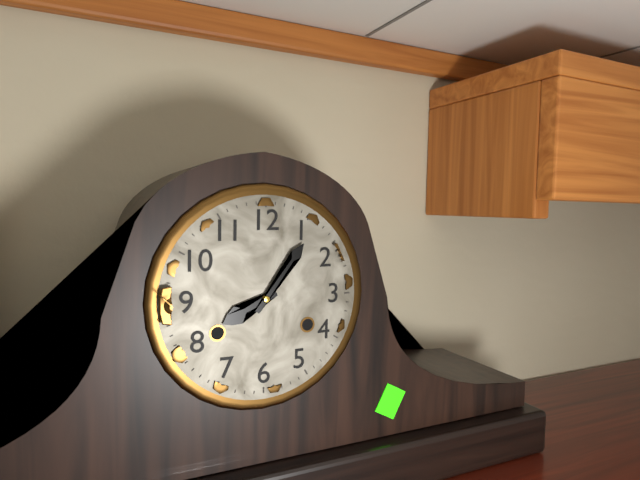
8h06
